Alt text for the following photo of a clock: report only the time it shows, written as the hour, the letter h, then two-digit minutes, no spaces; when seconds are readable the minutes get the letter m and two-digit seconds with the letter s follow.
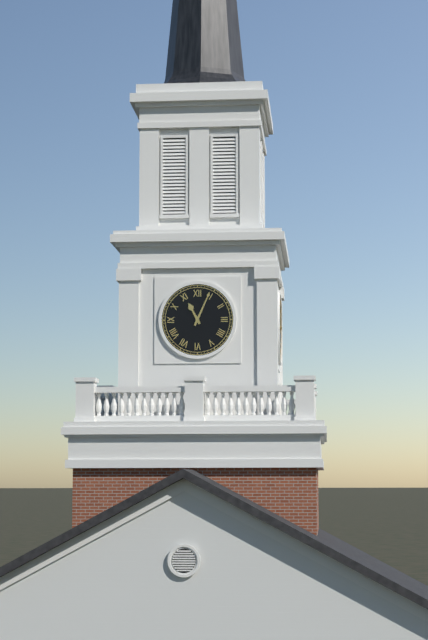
11h04
